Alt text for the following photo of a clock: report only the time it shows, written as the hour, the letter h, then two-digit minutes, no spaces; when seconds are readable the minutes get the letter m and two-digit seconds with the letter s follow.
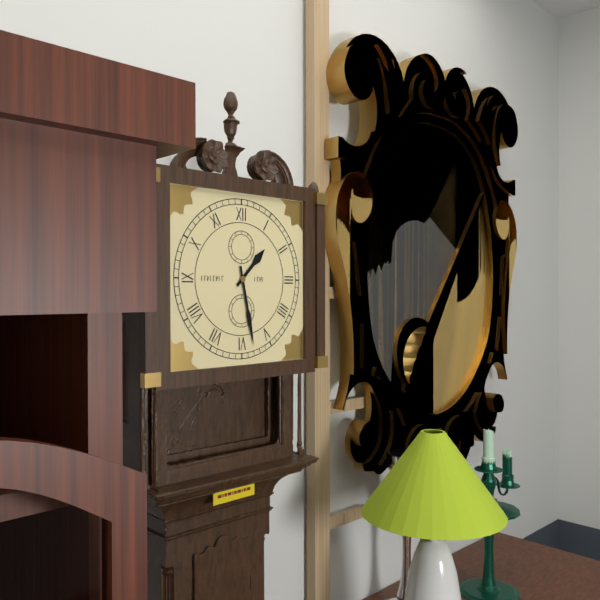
1h28
